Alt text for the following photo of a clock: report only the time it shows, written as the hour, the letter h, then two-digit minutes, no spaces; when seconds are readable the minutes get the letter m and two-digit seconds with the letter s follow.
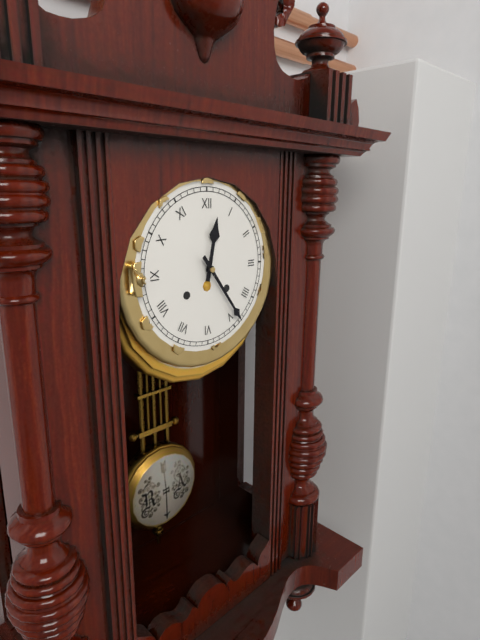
12h24
